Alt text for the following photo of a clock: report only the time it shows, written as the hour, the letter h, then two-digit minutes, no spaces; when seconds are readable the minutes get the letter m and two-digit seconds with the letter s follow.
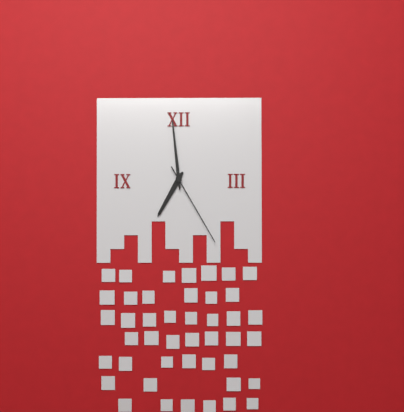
6h59m25s
